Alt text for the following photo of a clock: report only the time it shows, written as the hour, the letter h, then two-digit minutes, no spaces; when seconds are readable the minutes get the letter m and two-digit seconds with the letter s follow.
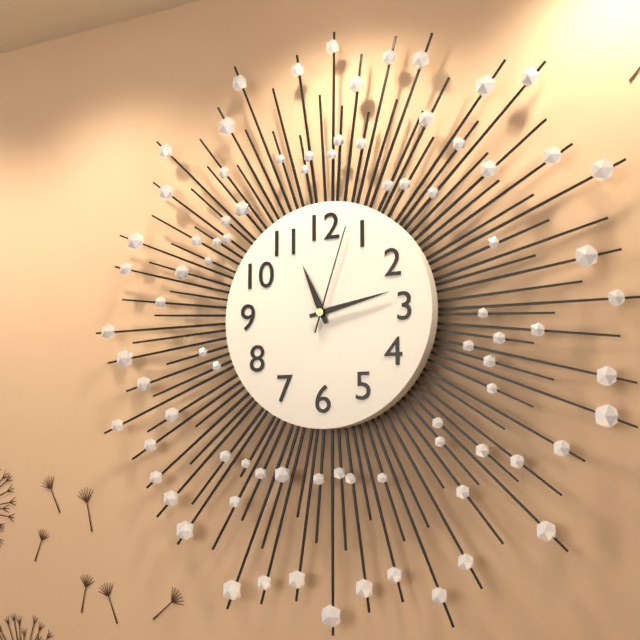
11h13m03s
